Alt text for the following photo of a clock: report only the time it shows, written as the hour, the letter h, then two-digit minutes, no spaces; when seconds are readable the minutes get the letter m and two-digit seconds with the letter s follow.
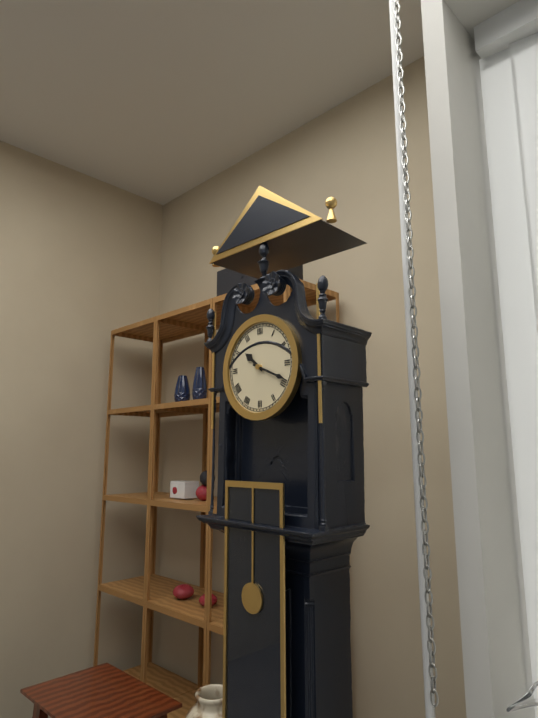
10h19
